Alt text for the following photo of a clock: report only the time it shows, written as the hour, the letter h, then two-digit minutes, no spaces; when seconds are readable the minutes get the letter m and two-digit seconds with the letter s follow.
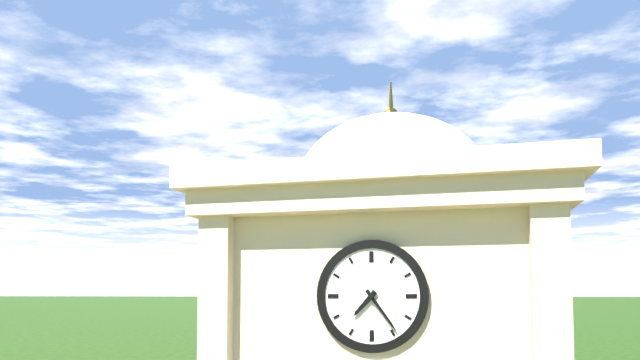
7h24
